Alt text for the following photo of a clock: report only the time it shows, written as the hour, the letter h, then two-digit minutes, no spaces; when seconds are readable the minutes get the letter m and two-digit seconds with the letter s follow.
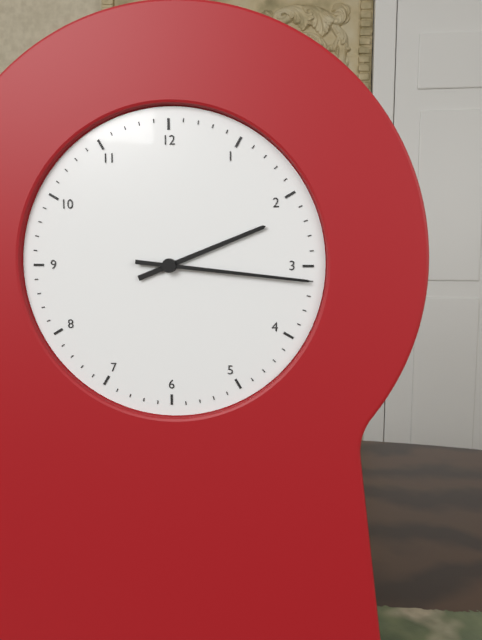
2h16
